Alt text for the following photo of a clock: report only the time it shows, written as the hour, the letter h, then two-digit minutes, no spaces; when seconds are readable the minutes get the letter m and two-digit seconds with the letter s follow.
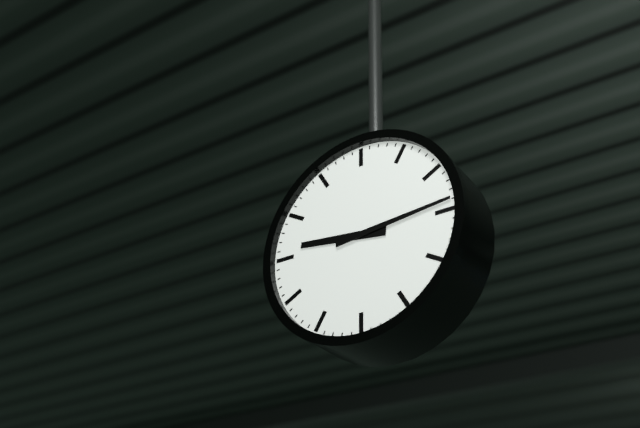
9h14
